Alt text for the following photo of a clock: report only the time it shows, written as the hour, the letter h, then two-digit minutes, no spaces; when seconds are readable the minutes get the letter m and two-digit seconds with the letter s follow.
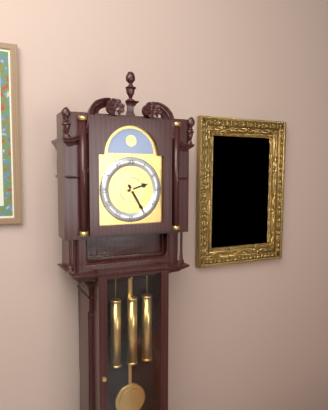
2h25
